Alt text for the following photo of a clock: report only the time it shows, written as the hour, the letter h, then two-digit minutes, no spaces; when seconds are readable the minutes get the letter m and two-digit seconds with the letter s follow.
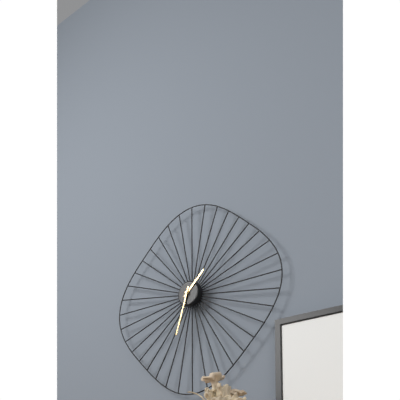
1h33
